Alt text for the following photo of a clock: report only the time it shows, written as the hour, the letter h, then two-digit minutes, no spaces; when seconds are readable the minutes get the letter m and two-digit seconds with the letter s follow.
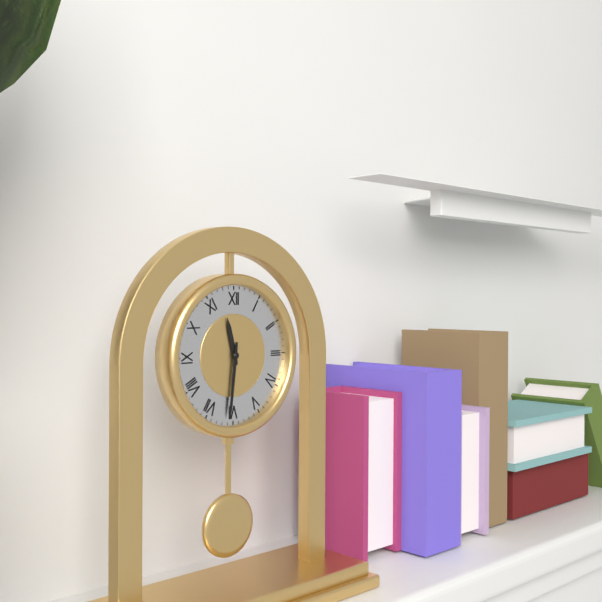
11h31
